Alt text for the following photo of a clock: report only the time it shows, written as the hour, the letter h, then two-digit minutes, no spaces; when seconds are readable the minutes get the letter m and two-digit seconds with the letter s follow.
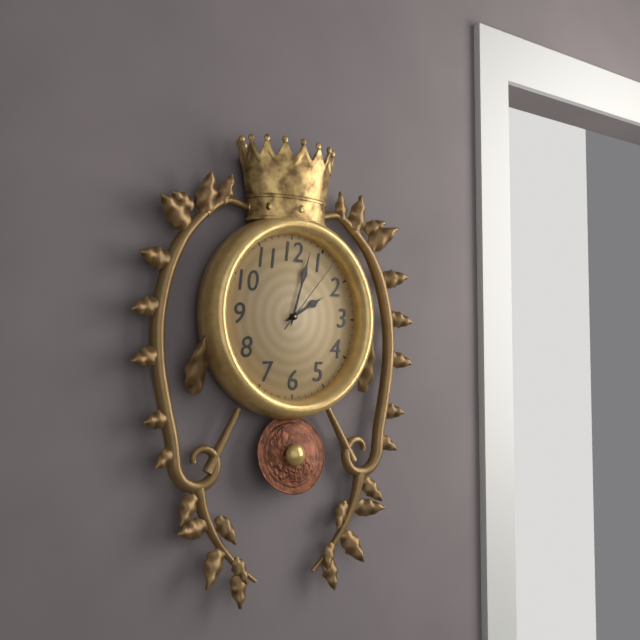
2h03m07s
